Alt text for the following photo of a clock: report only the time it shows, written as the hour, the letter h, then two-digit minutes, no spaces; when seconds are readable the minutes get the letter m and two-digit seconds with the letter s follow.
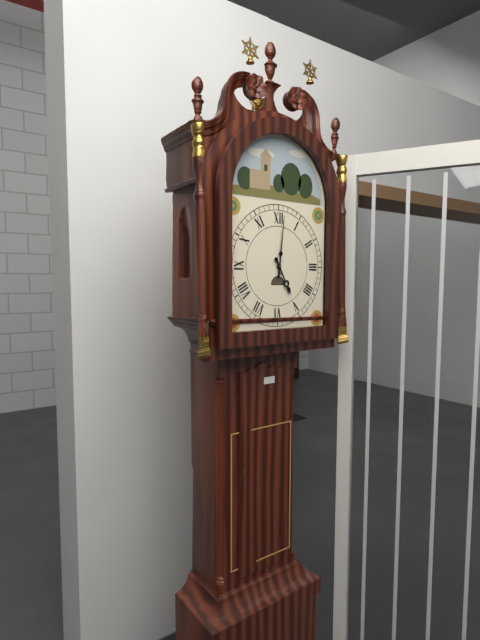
5h01
